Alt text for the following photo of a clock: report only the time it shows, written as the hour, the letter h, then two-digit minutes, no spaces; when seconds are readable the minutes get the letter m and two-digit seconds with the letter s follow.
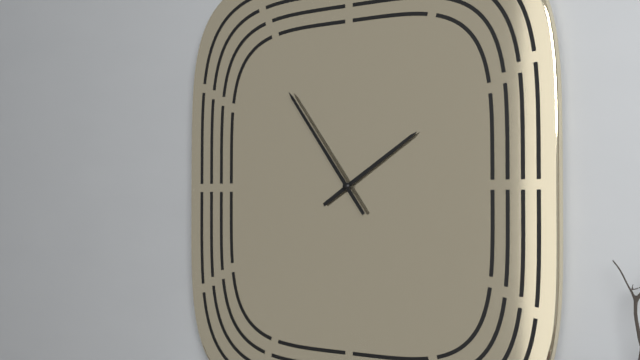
1h54
